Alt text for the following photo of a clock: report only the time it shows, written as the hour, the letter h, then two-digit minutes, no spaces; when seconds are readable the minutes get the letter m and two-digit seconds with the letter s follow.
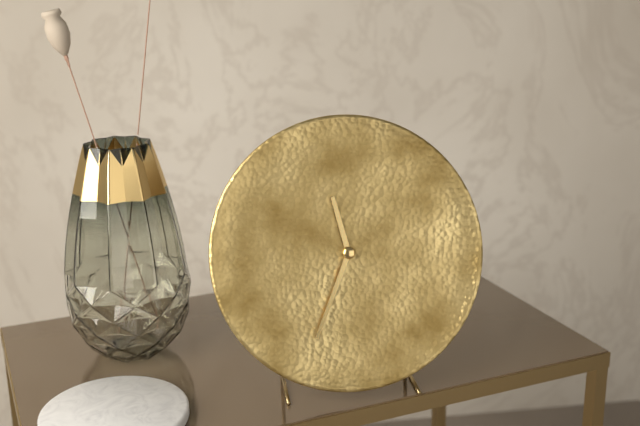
11h34
